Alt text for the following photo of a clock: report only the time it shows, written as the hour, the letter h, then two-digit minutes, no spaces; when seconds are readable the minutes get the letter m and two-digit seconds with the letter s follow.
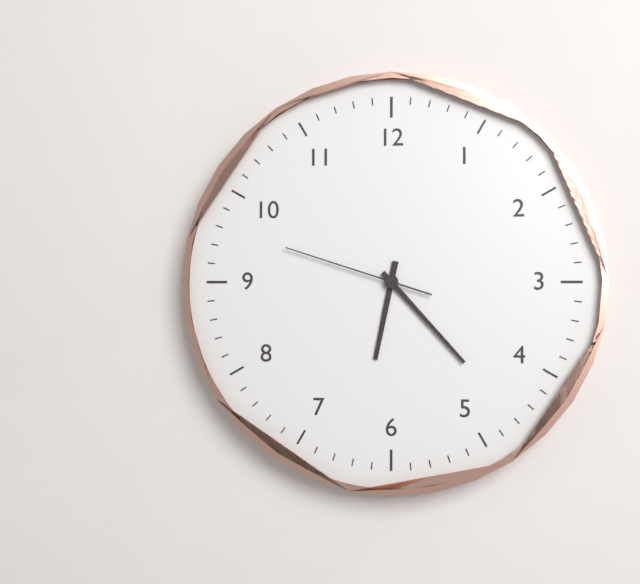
6h23m48s
